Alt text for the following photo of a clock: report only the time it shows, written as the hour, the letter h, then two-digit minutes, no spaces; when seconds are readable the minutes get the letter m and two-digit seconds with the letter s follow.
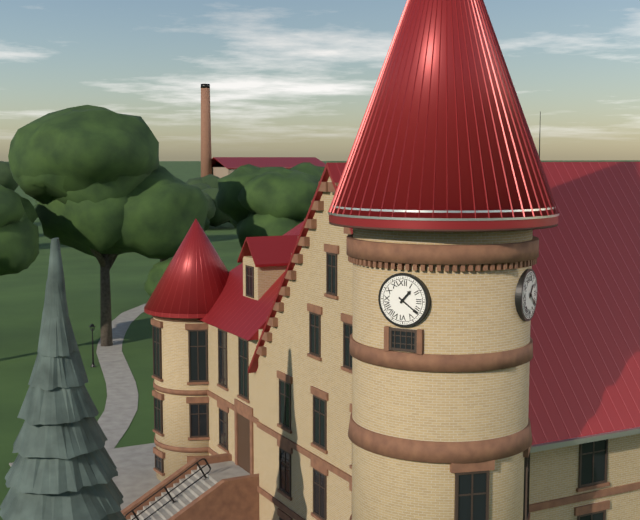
1h21
